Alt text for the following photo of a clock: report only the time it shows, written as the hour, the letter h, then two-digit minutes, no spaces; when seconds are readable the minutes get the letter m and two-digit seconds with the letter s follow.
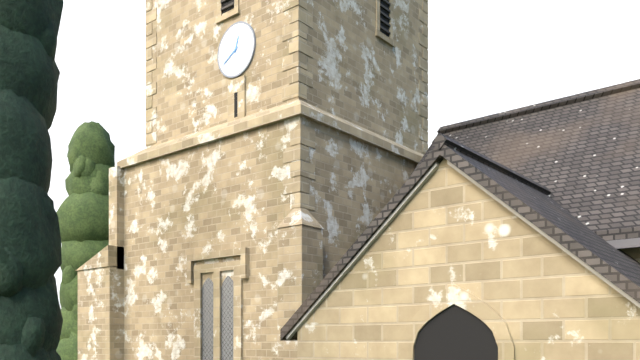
12h40
